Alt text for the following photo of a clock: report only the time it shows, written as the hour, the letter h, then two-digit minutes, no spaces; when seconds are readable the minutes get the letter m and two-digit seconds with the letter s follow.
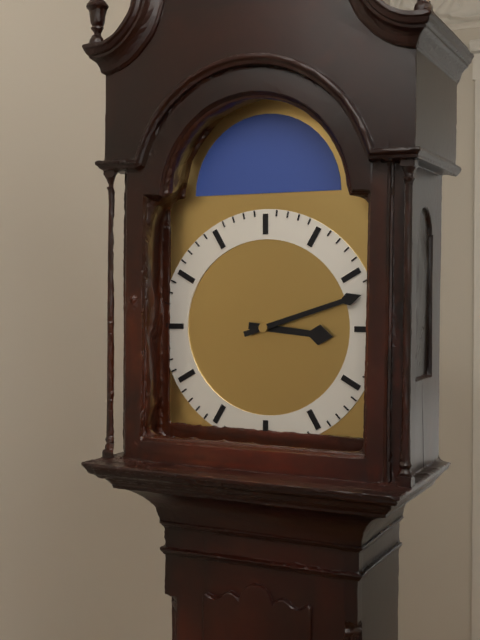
3h12
